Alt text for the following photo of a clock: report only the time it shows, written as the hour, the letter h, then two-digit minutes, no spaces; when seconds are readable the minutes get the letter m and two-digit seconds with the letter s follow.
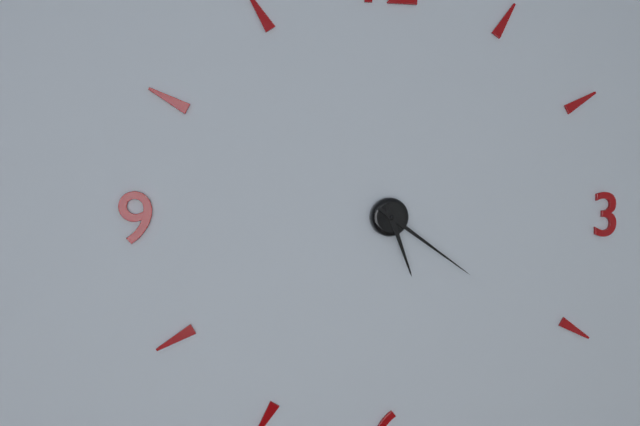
5h21
